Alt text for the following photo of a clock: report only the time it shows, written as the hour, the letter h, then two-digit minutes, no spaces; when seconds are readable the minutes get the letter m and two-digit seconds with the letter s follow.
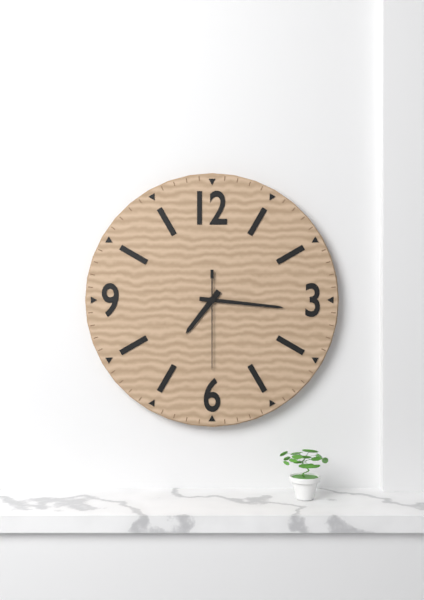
7h16m30s
